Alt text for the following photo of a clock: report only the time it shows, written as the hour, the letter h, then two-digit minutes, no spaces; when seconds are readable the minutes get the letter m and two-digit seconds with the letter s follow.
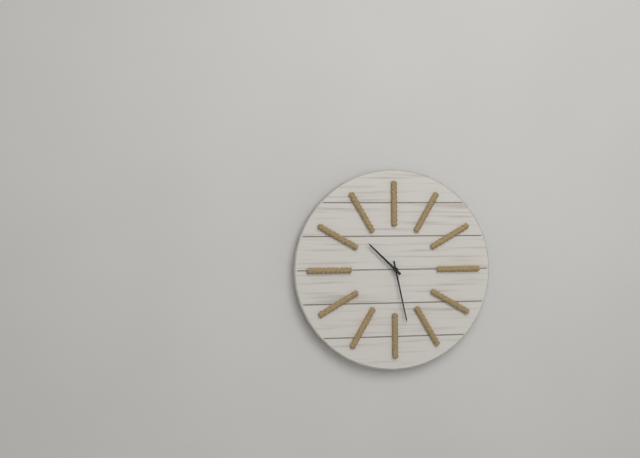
10h28
